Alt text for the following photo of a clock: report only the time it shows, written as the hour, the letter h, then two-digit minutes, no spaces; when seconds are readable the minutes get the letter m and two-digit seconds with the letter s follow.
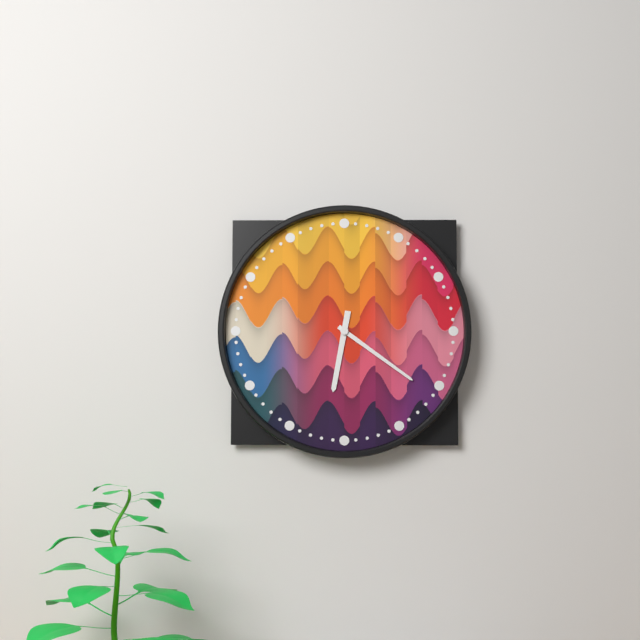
6h21
